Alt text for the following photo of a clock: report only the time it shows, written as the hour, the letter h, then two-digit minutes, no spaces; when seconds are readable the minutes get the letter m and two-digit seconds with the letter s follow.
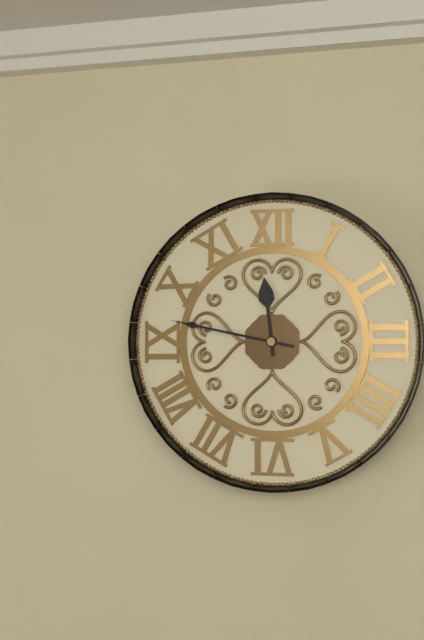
11h47
